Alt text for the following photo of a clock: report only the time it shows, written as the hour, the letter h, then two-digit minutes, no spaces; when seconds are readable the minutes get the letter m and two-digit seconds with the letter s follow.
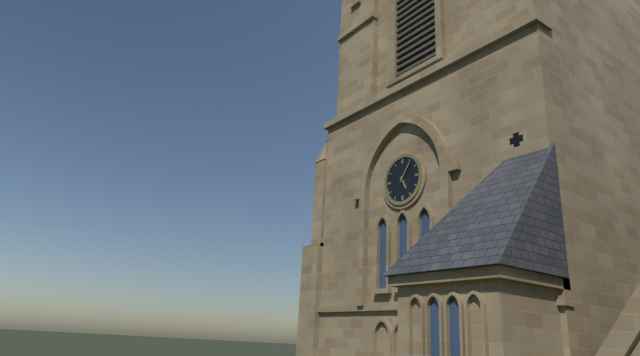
5h06
